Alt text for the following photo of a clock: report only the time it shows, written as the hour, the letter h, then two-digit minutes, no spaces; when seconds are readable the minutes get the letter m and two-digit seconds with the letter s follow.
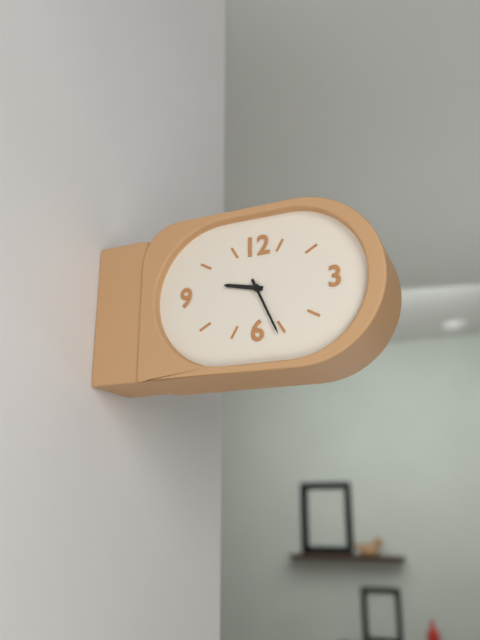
9h26
